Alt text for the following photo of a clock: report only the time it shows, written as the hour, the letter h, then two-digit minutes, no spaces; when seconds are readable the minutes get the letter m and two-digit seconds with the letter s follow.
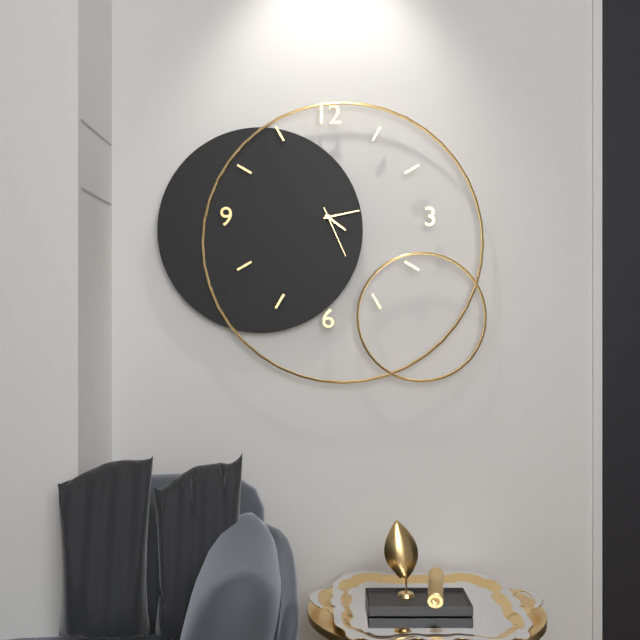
4h13m26s
